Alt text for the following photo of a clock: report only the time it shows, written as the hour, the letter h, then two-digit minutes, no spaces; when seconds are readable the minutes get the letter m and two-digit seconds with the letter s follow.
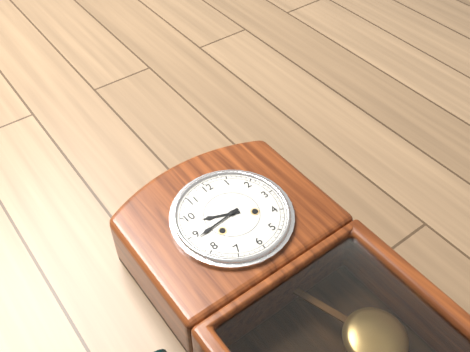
9h44
